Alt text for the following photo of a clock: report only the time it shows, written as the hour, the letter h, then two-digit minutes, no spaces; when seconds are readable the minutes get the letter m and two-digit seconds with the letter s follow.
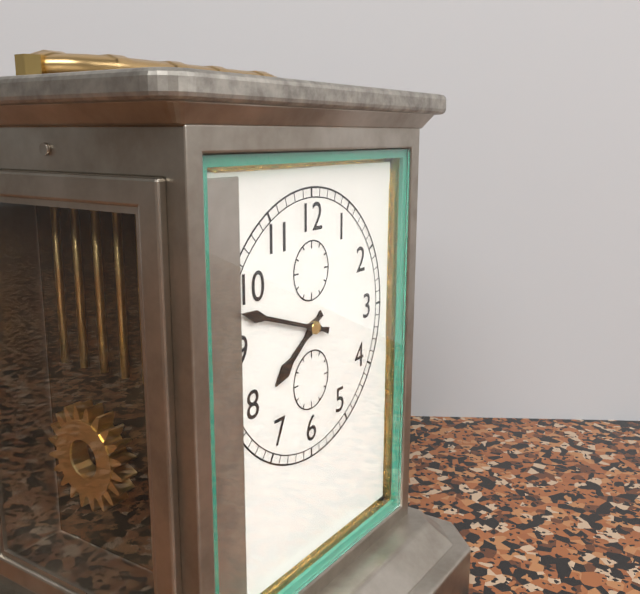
7h48
